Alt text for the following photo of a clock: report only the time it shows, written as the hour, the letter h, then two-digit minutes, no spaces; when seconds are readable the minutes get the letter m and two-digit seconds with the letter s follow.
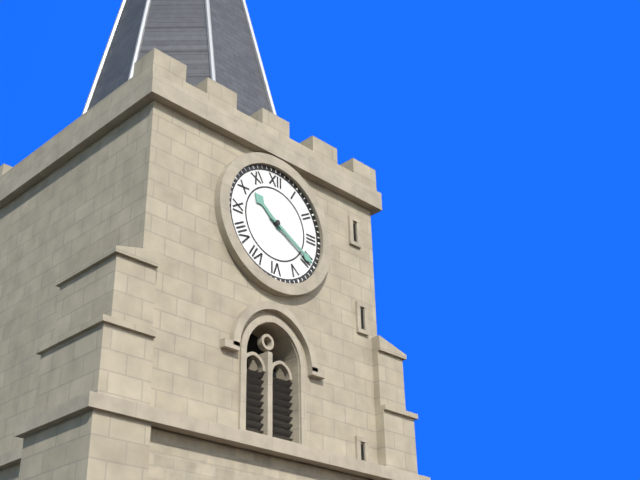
10h20
